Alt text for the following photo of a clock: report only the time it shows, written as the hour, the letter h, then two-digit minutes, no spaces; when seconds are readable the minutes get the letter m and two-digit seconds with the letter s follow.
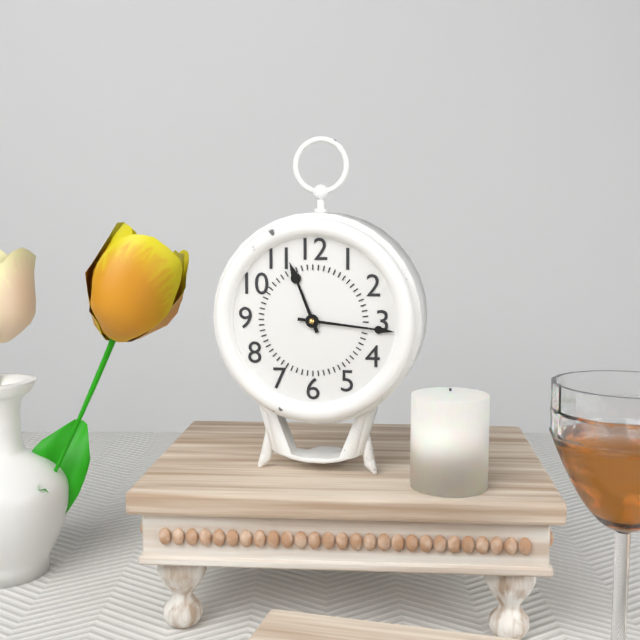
11h16
